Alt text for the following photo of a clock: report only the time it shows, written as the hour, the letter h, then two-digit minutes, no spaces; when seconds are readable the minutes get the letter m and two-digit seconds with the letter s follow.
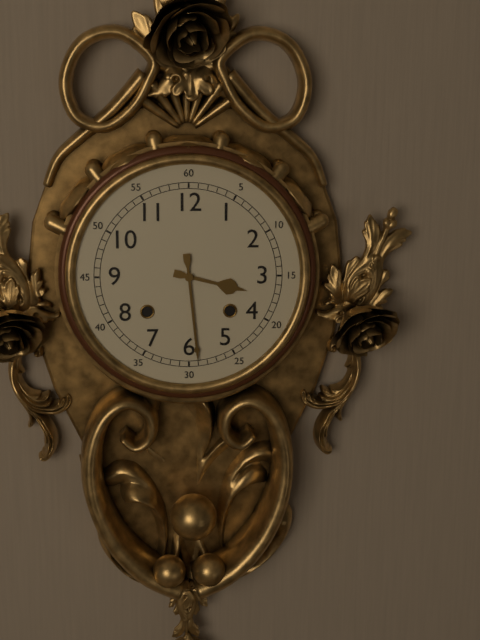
3h29
